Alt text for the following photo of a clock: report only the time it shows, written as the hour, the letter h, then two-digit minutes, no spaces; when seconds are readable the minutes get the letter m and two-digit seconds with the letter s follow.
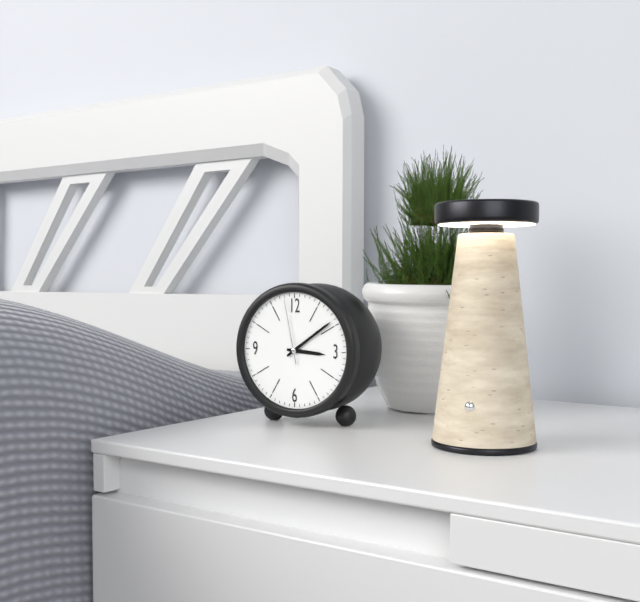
3h09m58s
